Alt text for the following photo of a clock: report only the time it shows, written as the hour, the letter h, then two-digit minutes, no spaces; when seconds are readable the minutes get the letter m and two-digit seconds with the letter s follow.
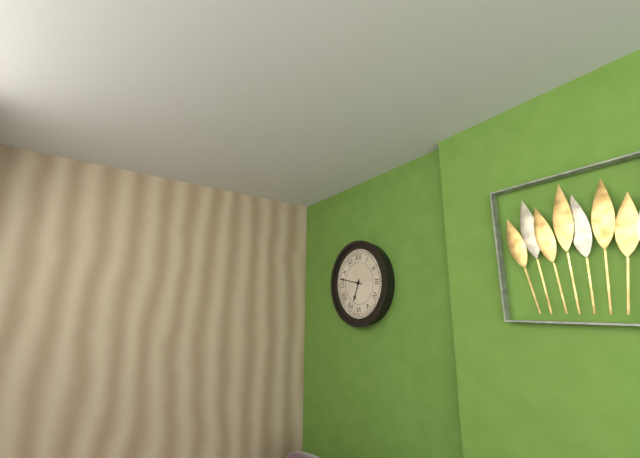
6h47
